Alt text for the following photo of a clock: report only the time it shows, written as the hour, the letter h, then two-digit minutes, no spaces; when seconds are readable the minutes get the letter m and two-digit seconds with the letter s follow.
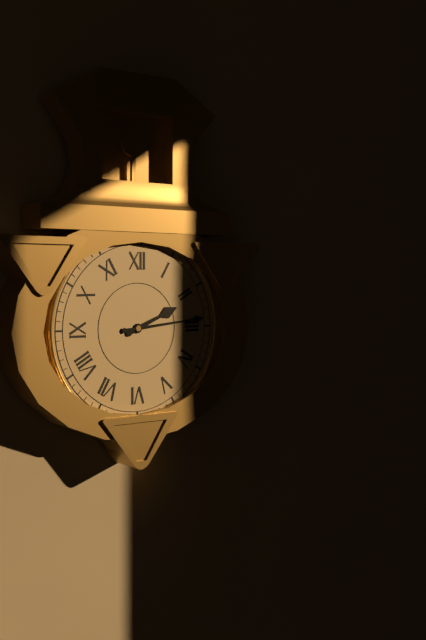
2h14
